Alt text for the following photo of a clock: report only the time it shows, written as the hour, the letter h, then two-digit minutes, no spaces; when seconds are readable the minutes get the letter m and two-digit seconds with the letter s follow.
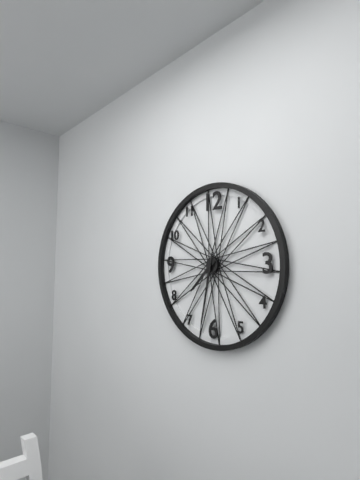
7h32
